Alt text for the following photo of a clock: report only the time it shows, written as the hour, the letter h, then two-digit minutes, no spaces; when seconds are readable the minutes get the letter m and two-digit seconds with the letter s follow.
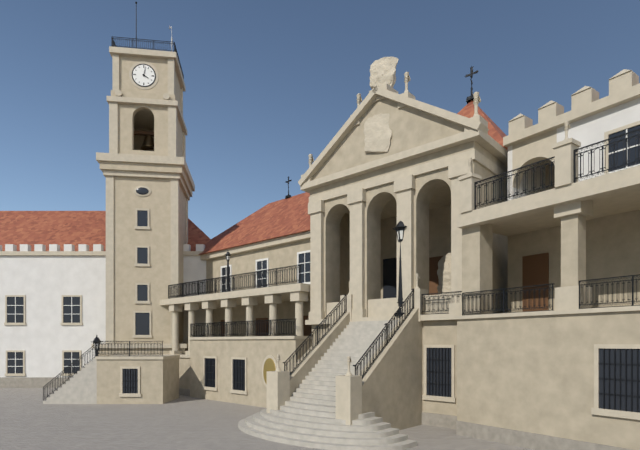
4h02
